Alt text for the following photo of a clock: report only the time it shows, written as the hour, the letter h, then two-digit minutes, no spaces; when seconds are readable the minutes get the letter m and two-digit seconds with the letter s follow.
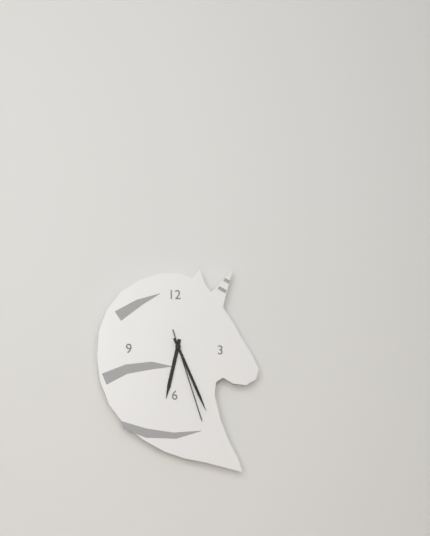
6h26m27s
